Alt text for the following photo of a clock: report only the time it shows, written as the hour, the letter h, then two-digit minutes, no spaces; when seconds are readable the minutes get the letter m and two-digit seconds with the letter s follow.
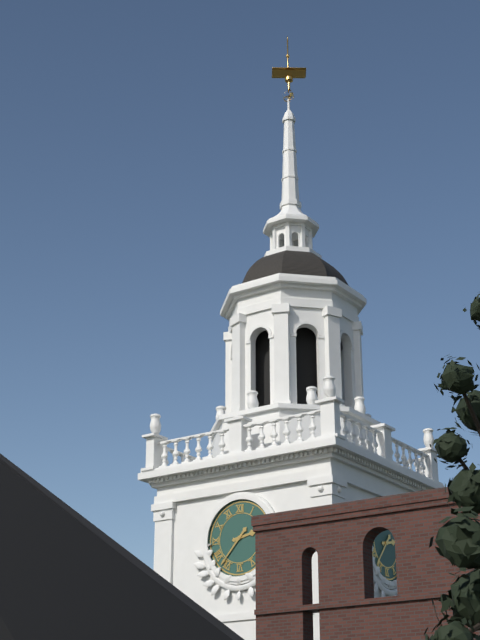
2h37
